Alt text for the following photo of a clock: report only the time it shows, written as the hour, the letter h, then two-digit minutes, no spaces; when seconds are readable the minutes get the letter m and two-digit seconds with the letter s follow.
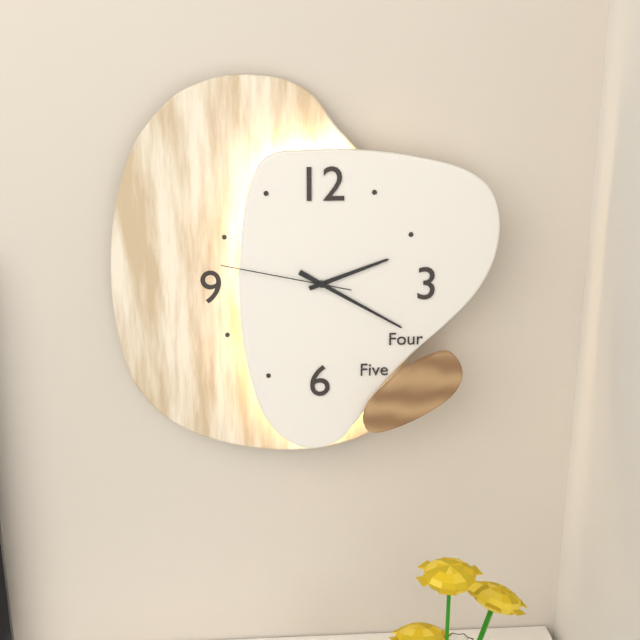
2h20m47s
